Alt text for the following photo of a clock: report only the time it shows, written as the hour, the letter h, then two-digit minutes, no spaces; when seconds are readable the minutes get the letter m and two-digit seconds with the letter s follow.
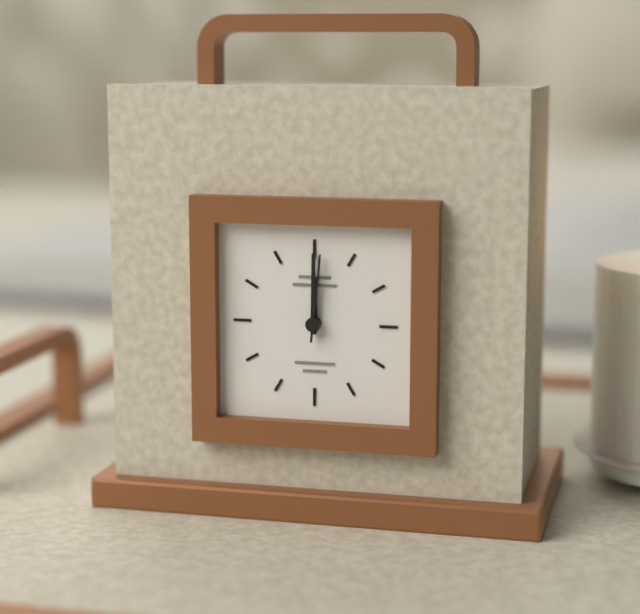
12h00m01s
